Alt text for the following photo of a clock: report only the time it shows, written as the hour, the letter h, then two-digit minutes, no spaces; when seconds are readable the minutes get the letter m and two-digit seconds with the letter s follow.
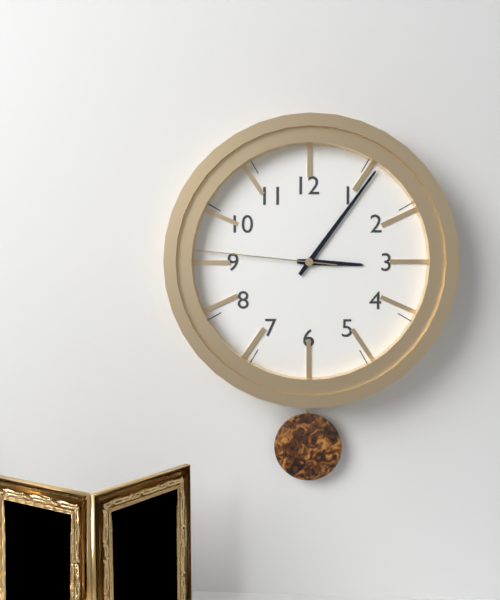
3h06m46s
